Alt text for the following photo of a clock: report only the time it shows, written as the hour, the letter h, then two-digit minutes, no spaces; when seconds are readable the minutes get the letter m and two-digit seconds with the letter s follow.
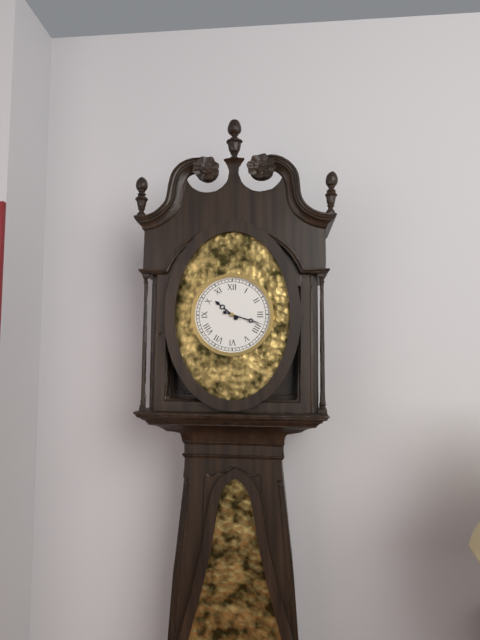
10h18
